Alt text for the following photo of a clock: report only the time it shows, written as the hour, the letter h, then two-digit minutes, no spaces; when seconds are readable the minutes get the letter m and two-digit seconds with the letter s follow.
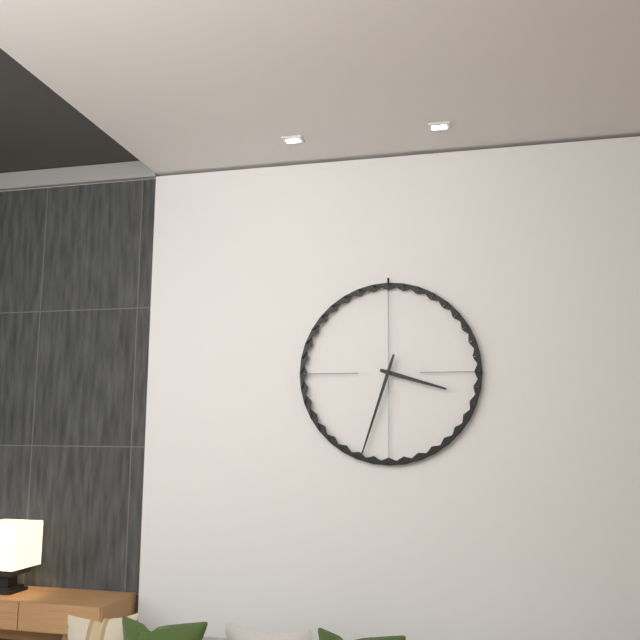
3h33
